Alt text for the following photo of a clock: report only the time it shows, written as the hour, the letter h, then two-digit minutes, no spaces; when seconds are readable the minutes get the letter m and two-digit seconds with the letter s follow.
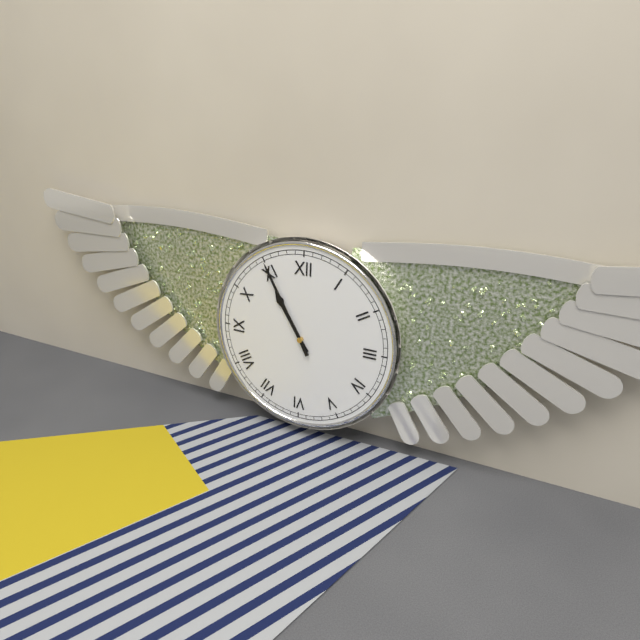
10h55
